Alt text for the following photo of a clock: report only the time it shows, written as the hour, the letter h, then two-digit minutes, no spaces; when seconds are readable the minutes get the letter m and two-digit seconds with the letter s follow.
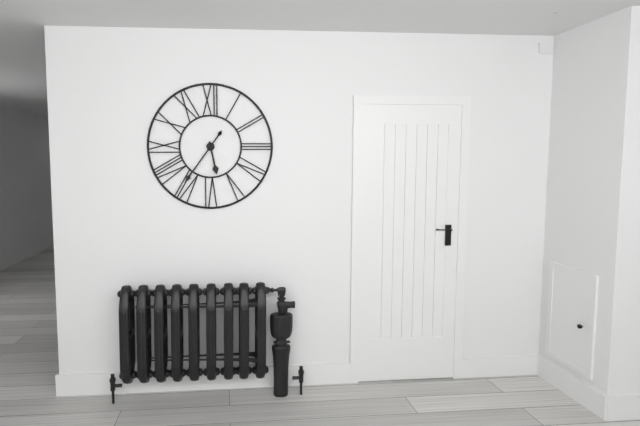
5h36
